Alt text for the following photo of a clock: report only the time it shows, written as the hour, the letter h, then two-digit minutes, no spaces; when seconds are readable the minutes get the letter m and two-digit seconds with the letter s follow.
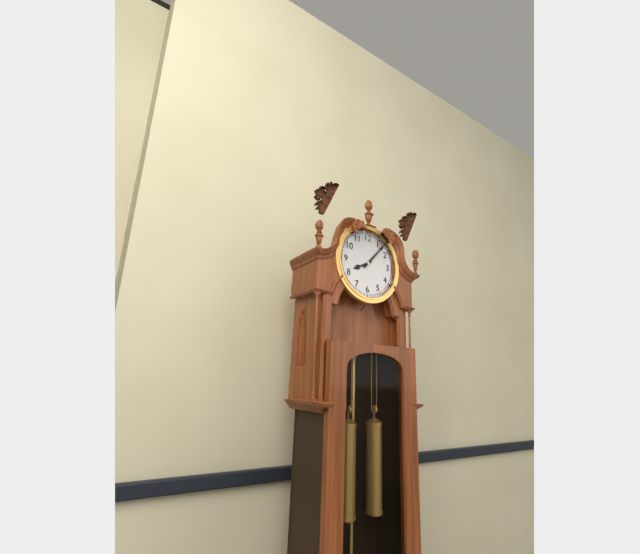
8h07
